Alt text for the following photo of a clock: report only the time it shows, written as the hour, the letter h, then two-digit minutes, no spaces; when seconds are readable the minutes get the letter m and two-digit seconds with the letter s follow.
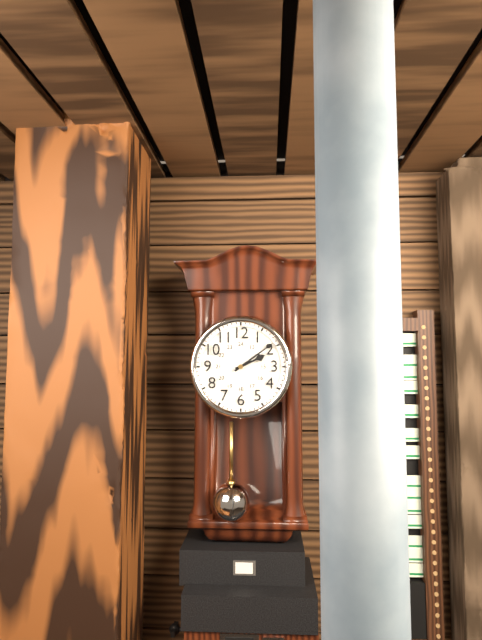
2h09
